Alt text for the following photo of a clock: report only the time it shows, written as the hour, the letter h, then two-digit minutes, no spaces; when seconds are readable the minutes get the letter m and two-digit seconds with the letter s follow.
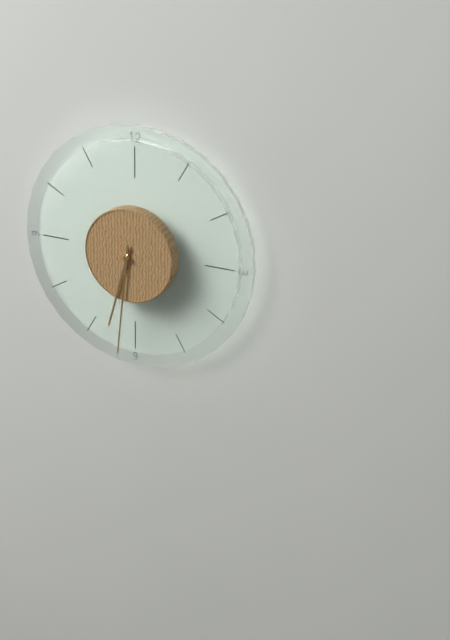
6h31
